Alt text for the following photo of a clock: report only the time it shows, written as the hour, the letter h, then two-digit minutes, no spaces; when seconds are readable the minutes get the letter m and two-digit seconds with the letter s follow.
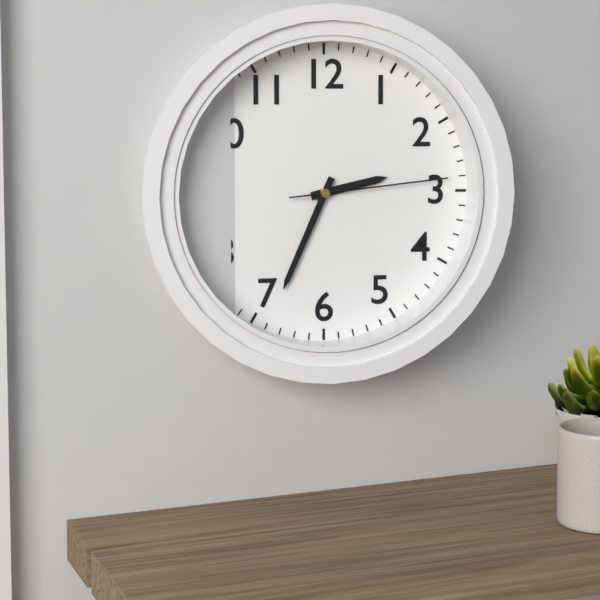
2h34m14s
